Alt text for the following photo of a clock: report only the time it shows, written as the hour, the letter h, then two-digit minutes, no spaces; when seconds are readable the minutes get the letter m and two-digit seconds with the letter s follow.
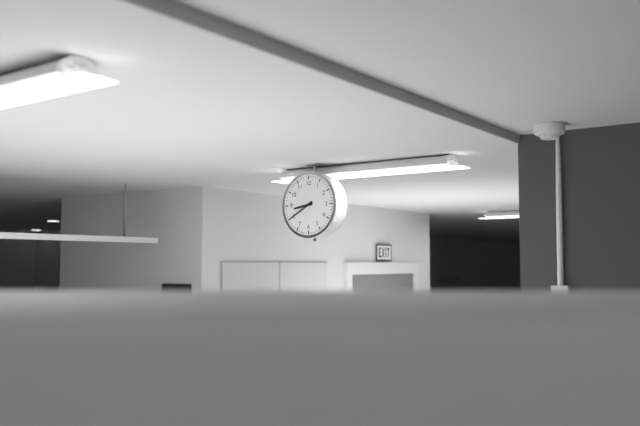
8h40
